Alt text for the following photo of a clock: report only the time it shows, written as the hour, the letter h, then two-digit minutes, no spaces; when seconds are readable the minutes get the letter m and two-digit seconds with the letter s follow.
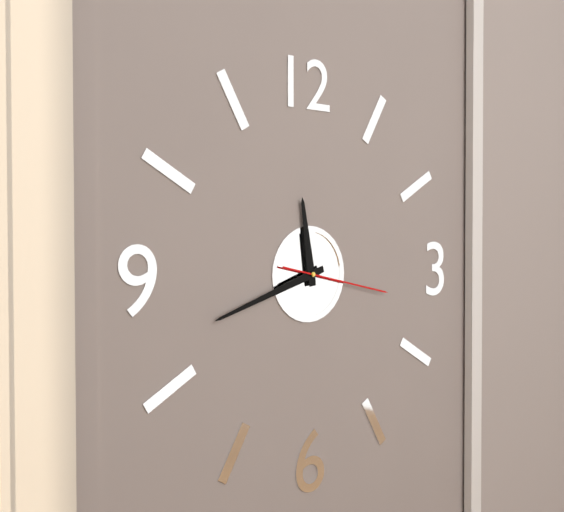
11h42m17s
